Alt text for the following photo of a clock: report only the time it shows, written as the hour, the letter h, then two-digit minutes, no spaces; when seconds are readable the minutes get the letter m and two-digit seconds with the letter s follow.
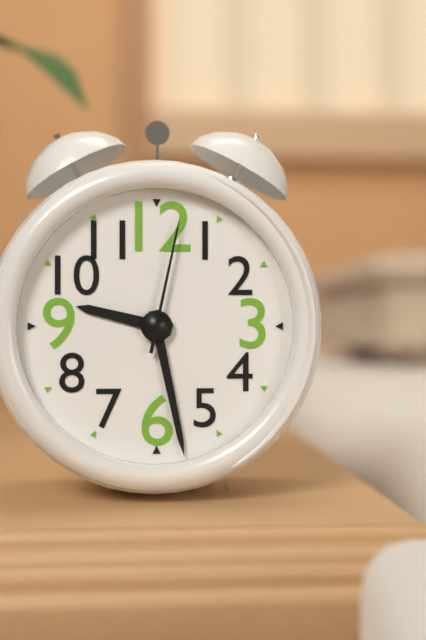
9h28m02s
